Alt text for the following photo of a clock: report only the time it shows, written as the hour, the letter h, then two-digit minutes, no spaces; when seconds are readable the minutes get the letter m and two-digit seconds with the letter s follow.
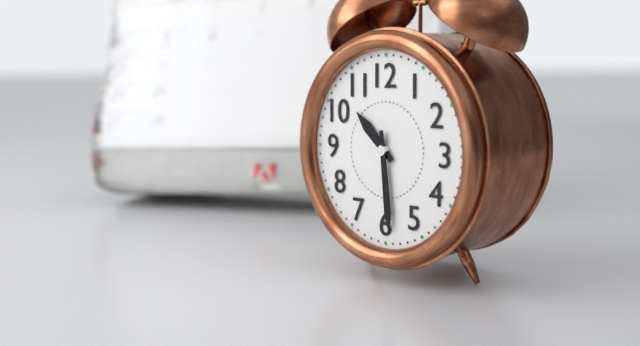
10h29
